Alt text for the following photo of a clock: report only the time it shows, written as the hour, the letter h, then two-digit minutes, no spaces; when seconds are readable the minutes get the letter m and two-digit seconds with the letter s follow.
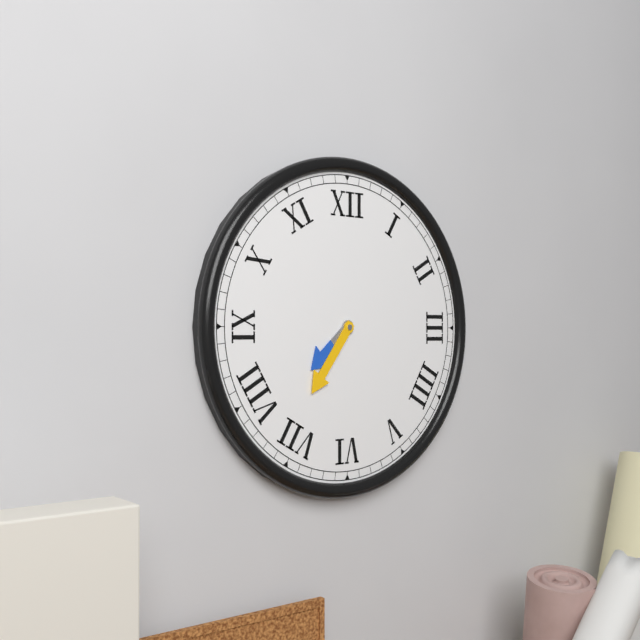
7h36
